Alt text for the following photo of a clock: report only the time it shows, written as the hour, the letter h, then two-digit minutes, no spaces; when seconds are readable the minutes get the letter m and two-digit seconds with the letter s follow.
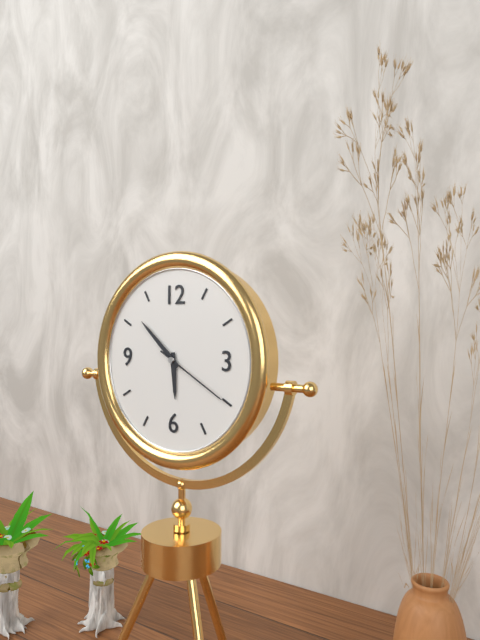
5h52m20s
